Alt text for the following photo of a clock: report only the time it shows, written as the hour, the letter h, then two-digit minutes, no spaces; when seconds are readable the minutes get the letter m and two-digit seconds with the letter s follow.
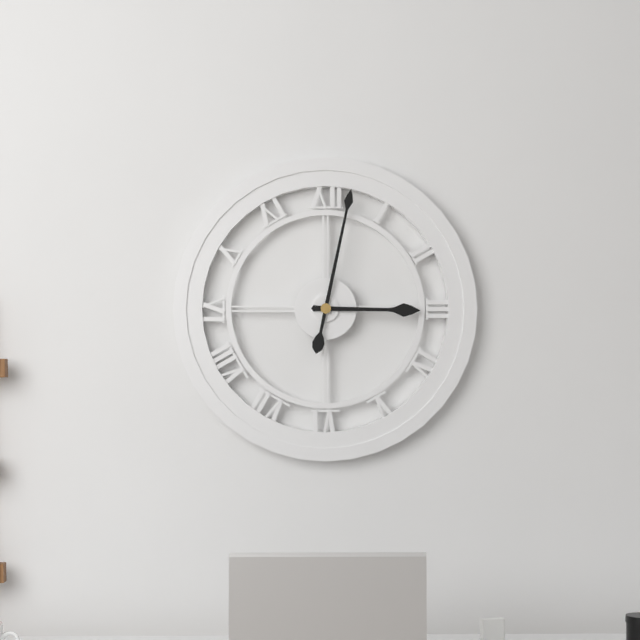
3h02
